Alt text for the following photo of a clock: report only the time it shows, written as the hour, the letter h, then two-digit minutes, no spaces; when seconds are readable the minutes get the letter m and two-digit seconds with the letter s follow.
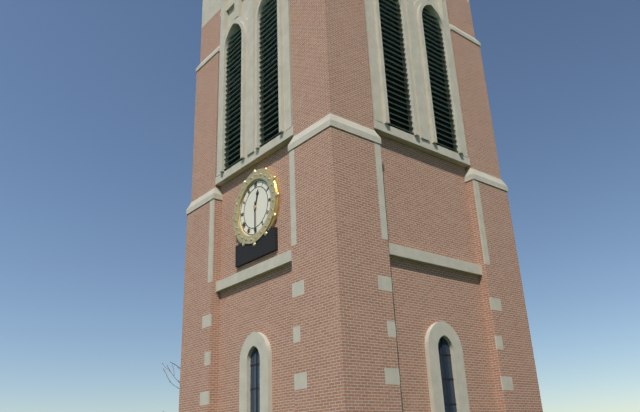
12h30
